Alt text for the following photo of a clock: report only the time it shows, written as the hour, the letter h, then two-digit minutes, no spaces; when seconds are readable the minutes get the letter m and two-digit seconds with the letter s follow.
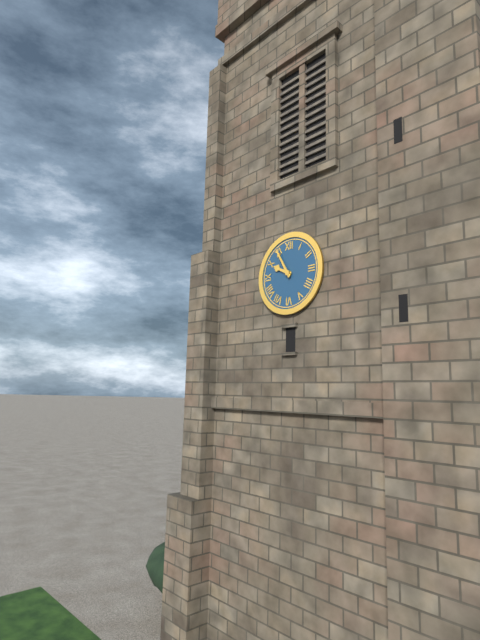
9h55
